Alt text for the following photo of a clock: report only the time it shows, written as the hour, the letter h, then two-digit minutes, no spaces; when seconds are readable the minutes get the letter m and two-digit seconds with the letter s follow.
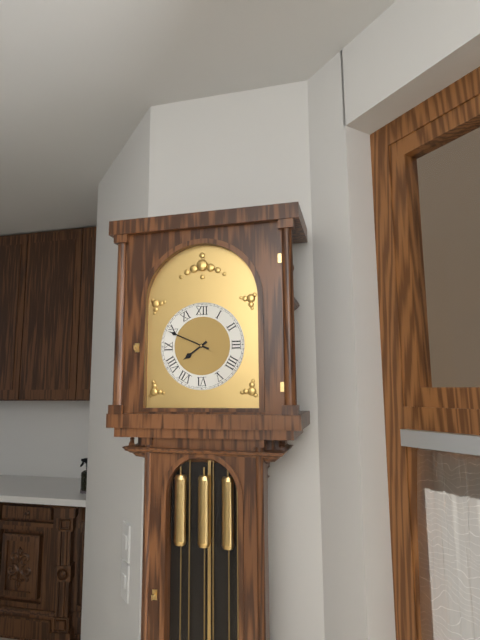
7h49
